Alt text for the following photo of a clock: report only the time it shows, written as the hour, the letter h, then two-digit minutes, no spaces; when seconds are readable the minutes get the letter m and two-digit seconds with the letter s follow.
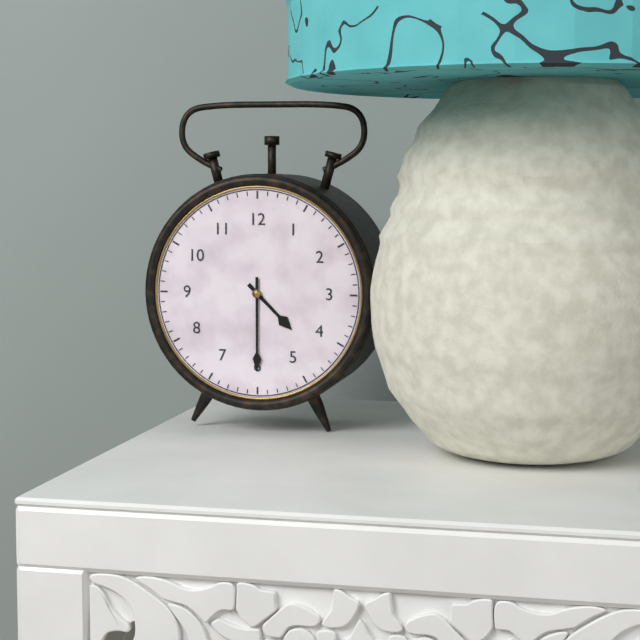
4h30
